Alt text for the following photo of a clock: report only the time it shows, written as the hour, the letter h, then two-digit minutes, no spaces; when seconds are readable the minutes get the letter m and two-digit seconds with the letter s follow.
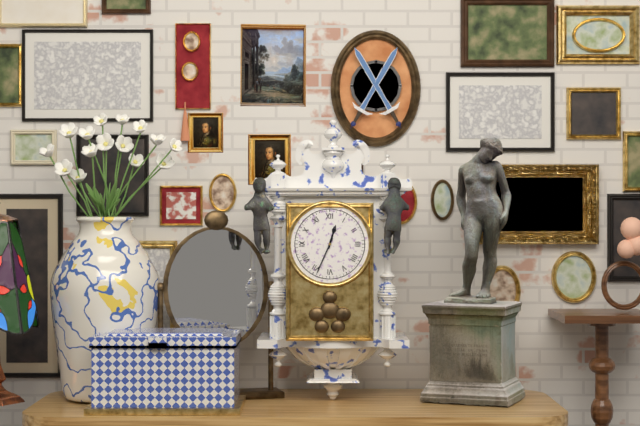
12h34
